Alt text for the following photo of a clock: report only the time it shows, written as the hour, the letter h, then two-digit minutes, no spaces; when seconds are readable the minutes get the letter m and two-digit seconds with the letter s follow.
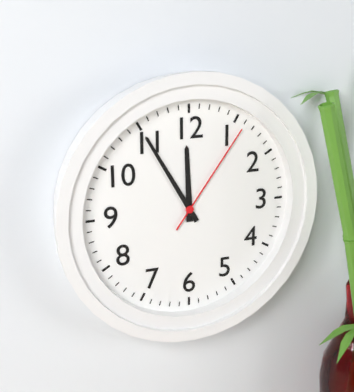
11h55m06s
